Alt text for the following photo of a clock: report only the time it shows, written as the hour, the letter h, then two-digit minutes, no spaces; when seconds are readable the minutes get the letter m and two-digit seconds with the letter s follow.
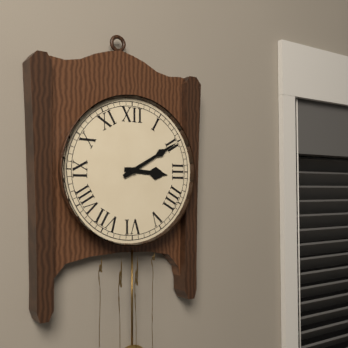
3h10
